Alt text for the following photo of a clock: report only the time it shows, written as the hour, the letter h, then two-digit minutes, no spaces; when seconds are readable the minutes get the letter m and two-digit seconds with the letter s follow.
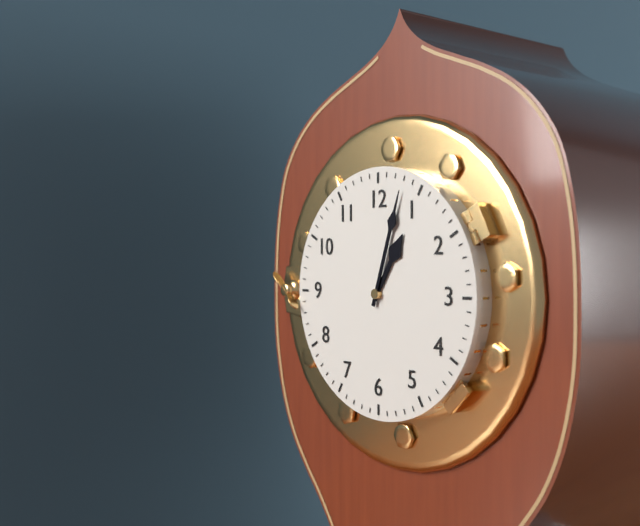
1h03
